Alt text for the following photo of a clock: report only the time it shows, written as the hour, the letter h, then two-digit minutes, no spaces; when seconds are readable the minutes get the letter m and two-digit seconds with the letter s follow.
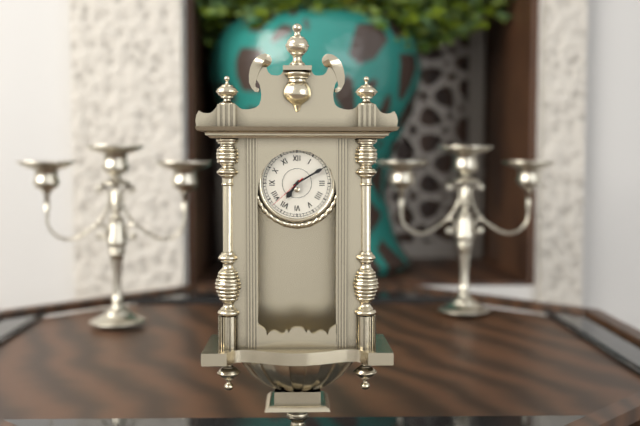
7h10
